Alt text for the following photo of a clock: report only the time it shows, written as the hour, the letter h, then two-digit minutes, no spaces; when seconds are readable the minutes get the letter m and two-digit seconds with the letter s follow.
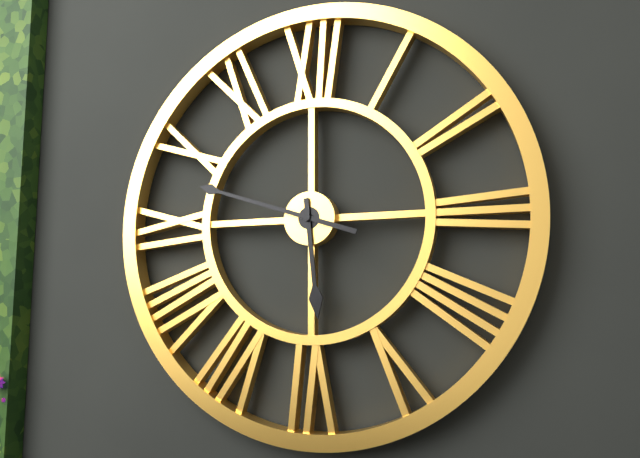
5h48
